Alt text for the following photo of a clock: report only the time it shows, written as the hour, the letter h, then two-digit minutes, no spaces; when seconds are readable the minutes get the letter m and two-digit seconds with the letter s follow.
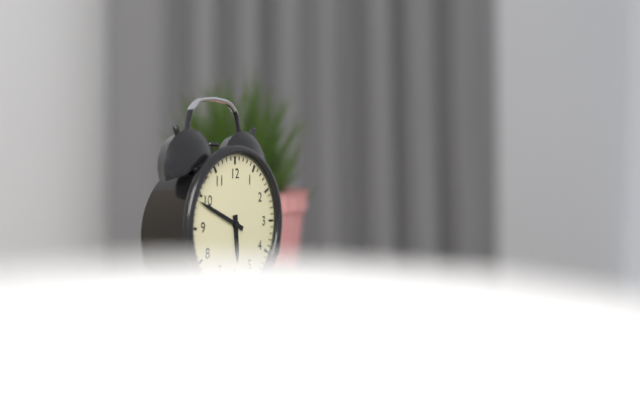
5h49
